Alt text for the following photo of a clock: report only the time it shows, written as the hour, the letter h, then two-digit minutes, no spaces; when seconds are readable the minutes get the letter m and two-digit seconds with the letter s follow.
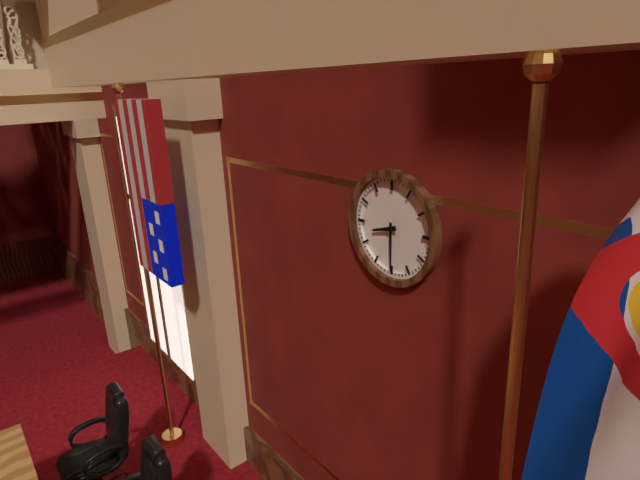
8h30
